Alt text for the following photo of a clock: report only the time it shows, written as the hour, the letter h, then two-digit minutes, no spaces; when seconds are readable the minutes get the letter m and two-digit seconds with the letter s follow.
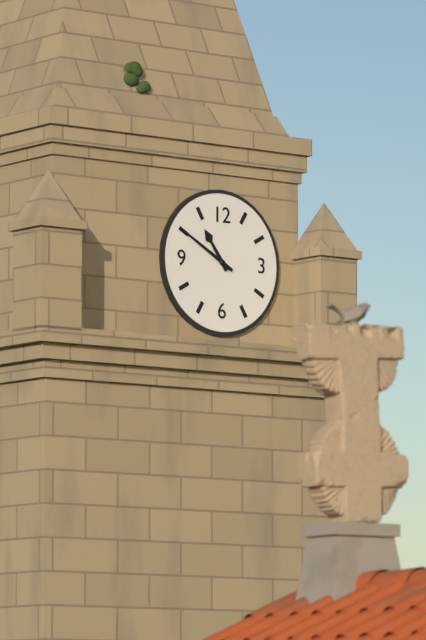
10h50
